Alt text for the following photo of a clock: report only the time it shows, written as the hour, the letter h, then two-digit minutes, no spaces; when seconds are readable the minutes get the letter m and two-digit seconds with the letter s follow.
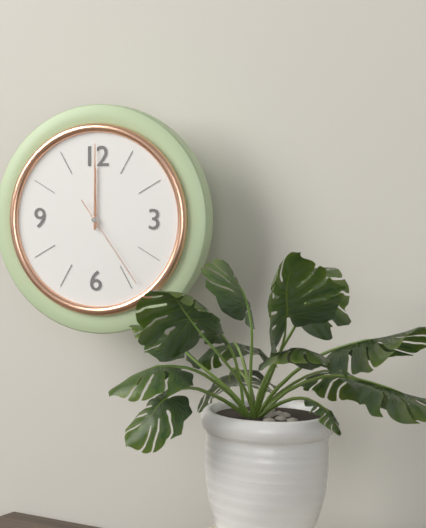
12h00m24s
